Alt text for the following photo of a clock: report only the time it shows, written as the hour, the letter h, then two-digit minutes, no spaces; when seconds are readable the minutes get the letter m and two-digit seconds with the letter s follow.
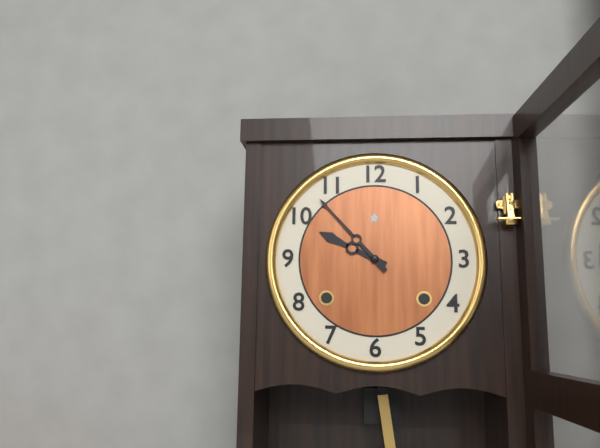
9h53
